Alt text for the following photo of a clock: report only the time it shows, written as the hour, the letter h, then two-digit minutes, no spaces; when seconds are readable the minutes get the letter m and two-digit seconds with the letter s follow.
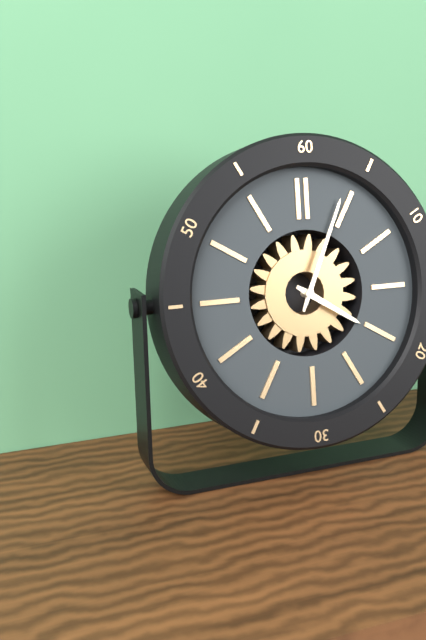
4h04
